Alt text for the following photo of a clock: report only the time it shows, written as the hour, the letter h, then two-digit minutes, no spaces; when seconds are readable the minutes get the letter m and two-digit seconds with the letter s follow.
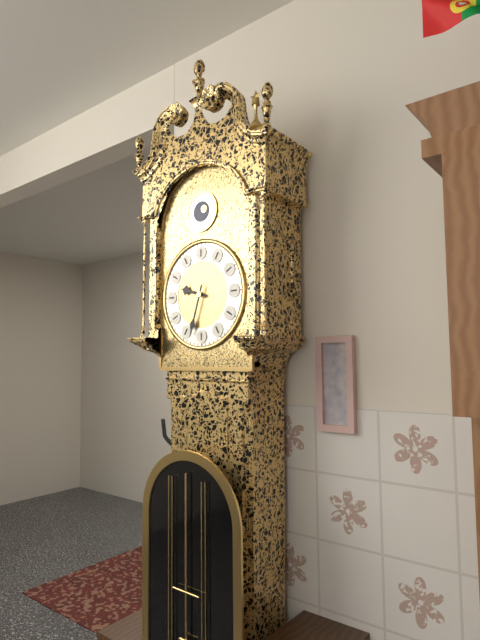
9h33
